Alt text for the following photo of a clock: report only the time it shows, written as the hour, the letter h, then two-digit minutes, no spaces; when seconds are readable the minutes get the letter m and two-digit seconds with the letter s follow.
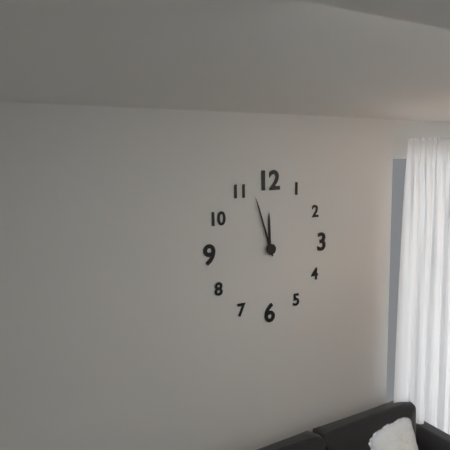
11h57
